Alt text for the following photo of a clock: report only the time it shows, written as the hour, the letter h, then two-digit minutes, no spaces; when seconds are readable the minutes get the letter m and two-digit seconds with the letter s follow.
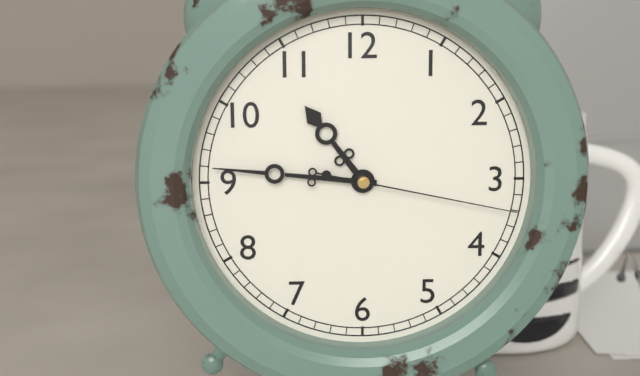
10h46m17s
